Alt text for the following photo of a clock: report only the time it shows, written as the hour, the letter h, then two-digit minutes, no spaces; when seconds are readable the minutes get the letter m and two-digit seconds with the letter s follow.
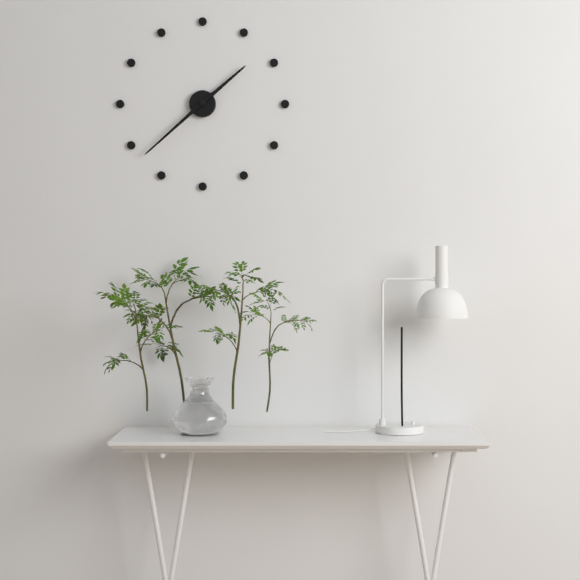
1h38
